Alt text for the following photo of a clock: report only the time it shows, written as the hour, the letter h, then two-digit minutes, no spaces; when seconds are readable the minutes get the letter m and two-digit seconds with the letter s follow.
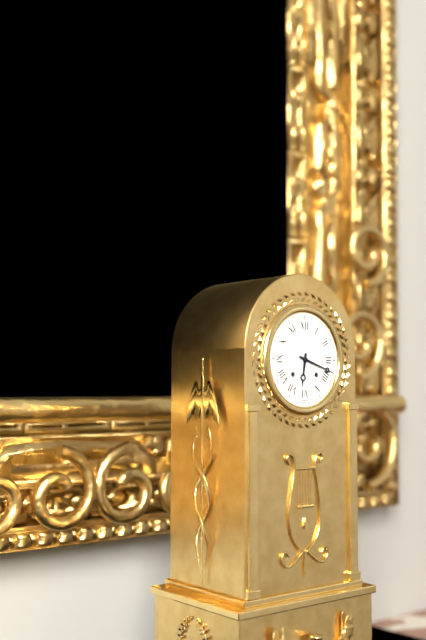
6h18
